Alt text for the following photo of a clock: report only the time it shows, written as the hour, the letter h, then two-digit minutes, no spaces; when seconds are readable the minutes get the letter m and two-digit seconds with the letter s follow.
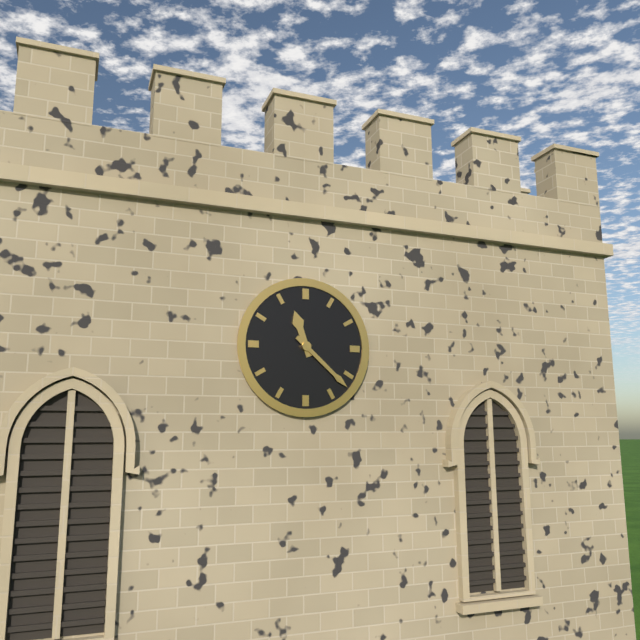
11h22
